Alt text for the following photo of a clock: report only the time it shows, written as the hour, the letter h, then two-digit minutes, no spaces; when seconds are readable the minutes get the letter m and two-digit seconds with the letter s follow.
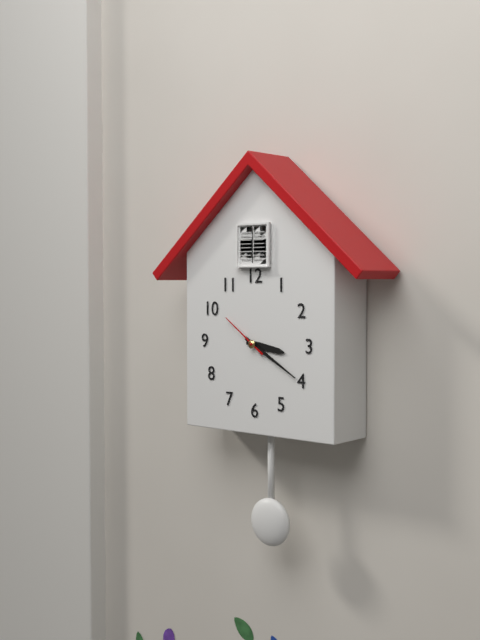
3h20
